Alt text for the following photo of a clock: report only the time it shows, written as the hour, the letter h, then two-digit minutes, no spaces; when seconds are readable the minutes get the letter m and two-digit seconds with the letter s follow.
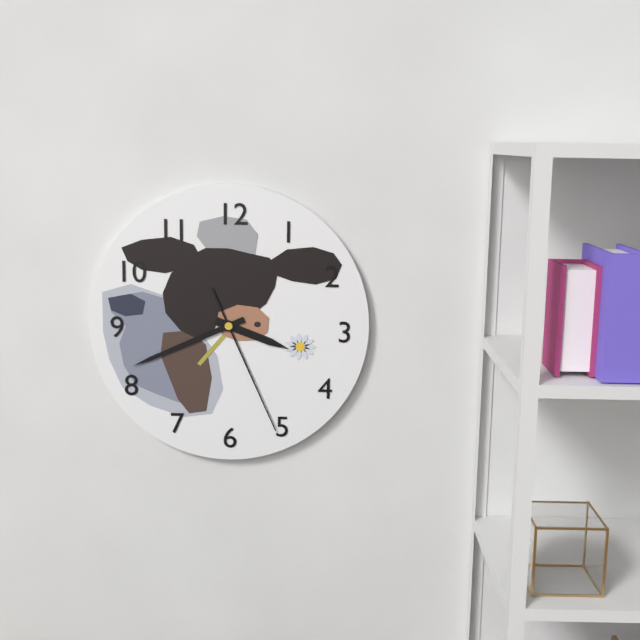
3h41m26s
